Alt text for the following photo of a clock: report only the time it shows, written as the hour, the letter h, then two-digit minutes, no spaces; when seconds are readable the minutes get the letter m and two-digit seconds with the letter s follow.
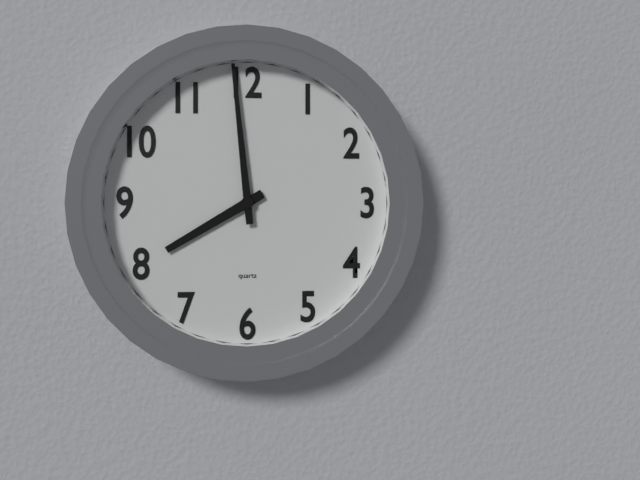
7h59
